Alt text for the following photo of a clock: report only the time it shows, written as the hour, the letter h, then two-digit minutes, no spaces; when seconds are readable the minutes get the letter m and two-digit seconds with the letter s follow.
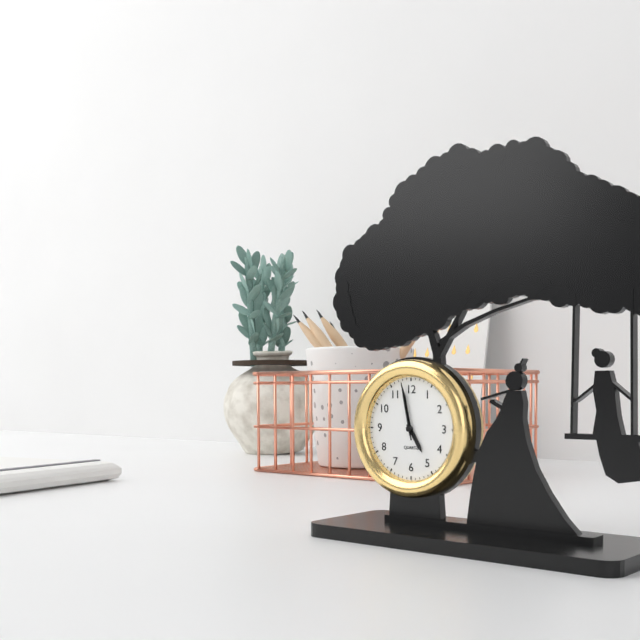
4h58m58s
